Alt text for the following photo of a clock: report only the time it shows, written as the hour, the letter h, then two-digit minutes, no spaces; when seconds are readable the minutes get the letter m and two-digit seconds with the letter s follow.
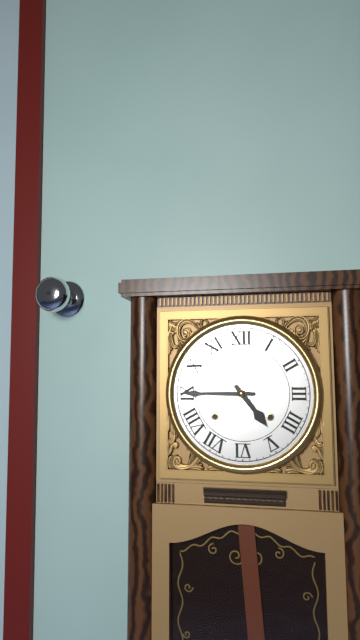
4h45
